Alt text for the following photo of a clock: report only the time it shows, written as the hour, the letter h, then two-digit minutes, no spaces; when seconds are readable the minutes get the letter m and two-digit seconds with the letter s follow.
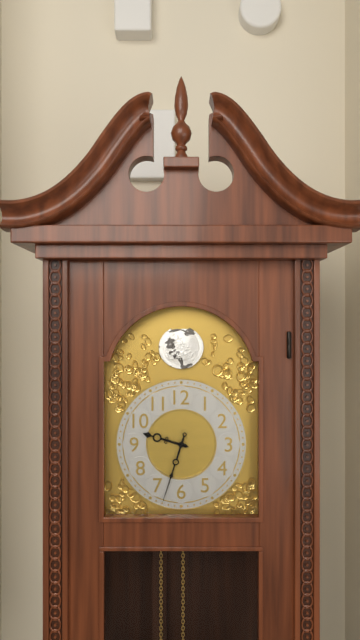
9h33
